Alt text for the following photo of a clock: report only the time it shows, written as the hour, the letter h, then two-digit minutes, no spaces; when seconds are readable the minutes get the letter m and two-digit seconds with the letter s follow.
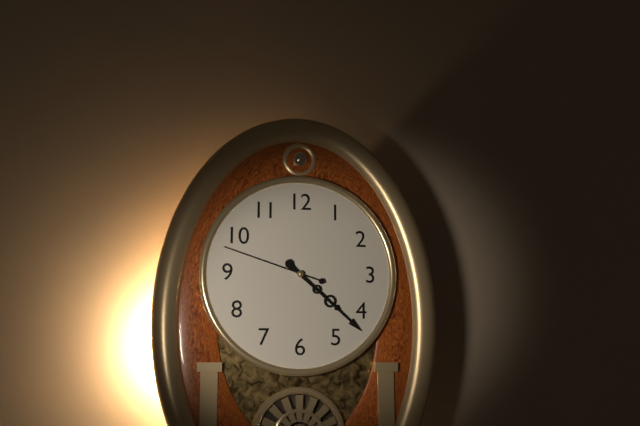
4h22m48s
